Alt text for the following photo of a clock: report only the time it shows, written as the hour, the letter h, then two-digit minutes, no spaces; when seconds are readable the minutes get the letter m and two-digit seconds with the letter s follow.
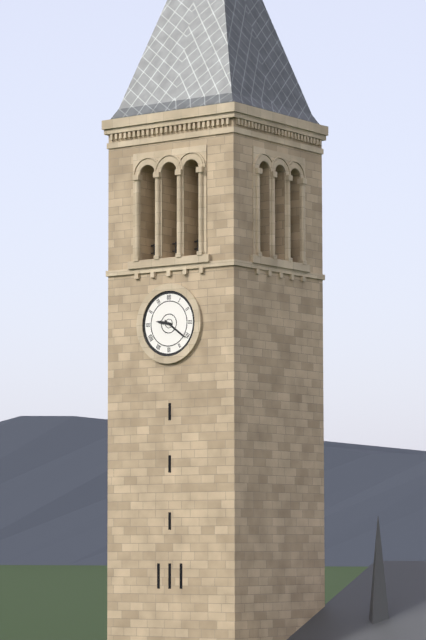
9h21
